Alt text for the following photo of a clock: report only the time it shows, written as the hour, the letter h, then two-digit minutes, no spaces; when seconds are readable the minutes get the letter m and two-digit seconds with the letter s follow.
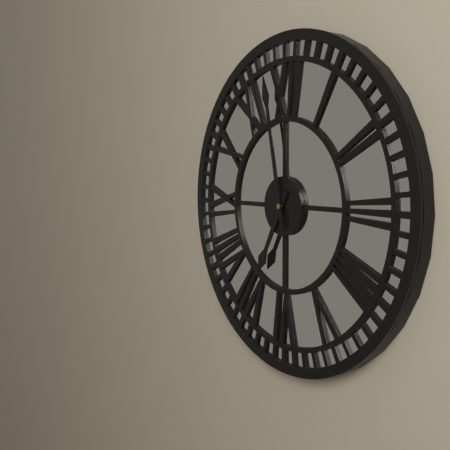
6h58
